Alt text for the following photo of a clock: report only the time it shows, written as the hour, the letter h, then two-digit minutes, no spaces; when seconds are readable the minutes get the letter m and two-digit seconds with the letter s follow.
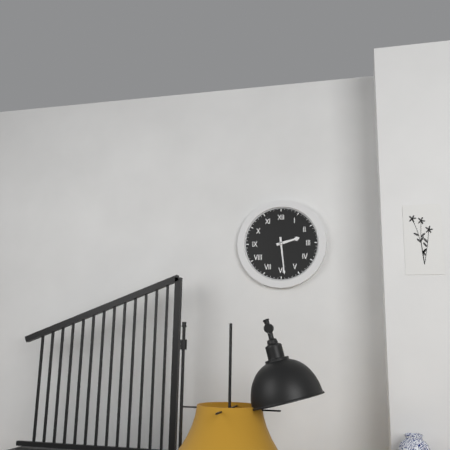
2h29
